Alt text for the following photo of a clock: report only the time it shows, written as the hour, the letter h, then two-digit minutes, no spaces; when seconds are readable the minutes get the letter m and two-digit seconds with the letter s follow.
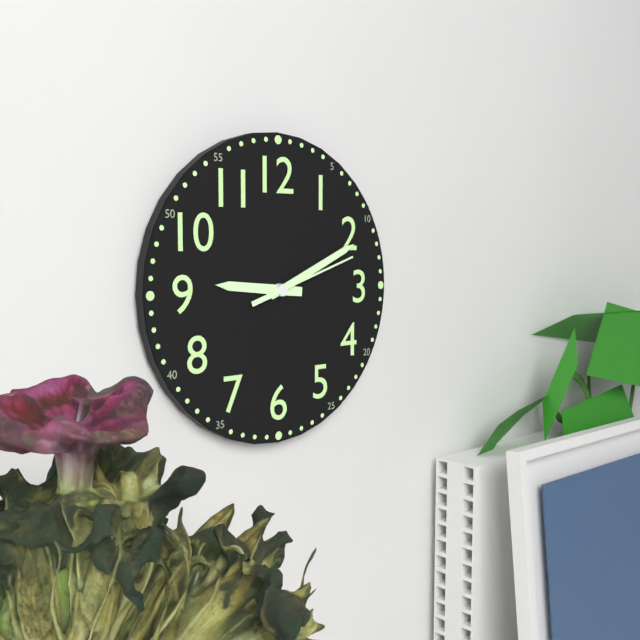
9h11m12s
